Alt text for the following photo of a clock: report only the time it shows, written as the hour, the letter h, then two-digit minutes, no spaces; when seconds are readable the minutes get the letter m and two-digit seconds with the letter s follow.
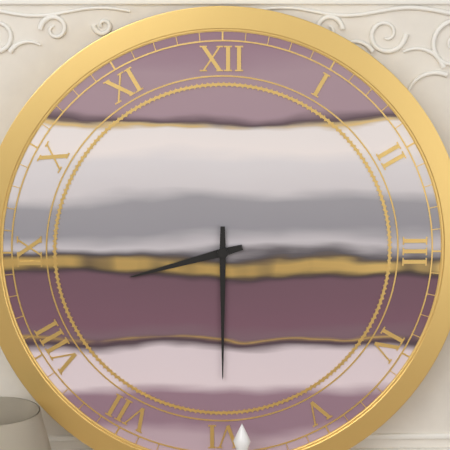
8h30
